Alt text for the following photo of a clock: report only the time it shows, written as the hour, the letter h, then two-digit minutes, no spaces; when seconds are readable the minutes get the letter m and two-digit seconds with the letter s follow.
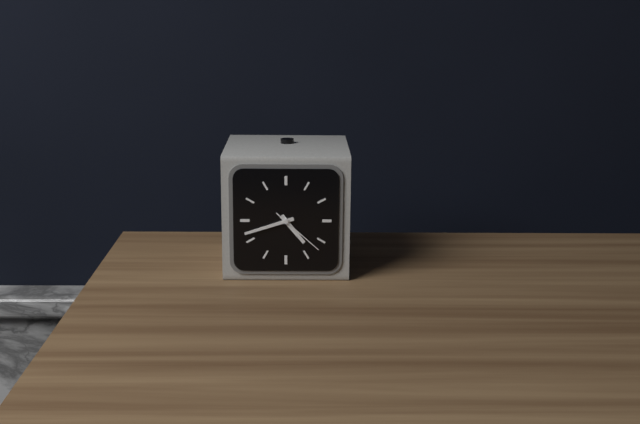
4h42m22s
